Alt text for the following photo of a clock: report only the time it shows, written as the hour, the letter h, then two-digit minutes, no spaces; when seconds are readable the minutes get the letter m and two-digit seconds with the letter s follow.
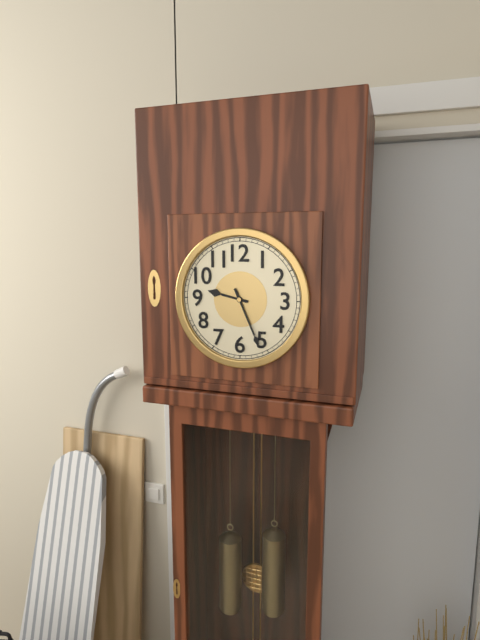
9h26
